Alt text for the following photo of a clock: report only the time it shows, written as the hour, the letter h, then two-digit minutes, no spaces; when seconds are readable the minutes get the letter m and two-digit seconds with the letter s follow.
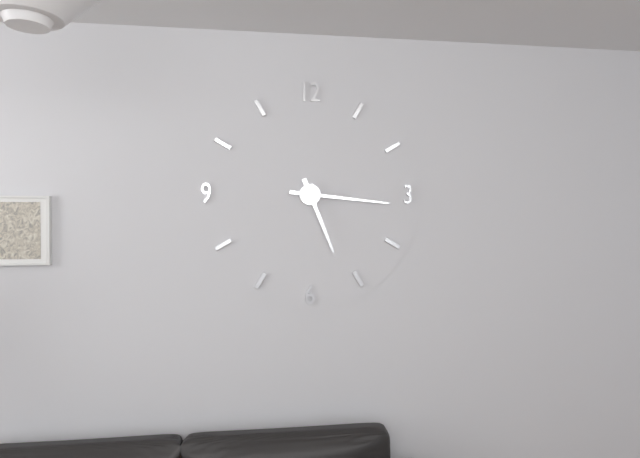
5h16
